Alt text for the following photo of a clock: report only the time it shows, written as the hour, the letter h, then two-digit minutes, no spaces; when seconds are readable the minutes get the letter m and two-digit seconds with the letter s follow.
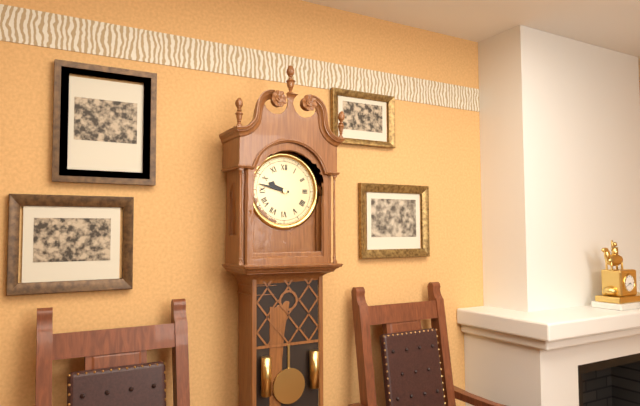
9h47
